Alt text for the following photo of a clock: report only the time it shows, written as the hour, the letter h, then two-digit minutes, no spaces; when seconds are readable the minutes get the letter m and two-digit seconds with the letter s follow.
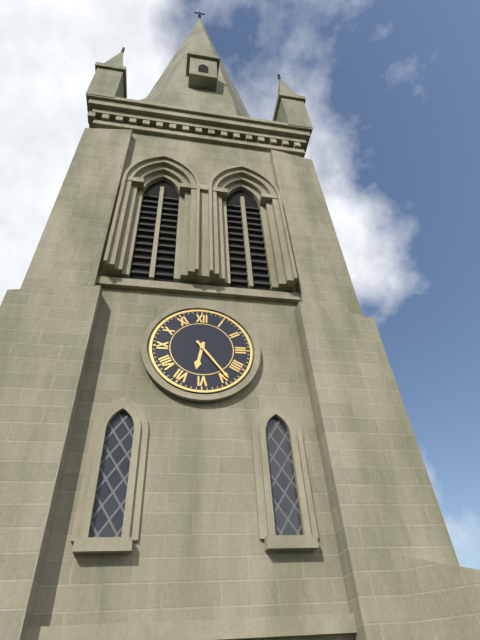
6h24
